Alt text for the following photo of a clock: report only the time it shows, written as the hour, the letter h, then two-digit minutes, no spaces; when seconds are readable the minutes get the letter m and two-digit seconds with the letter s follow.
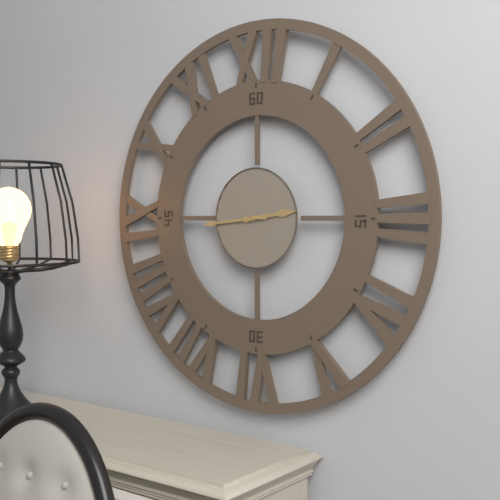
2h44
